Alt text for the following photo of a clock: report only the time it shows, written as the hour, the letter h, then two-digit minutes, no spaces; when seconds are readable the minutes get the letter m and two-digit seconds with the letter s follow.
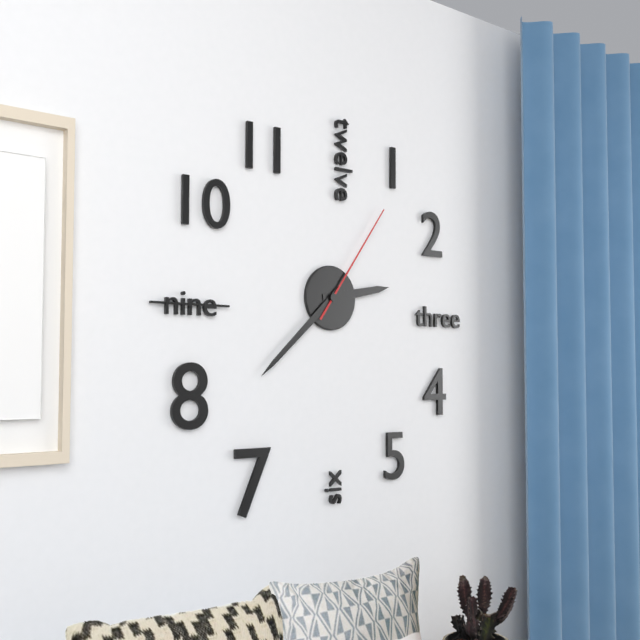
2h38m06s
